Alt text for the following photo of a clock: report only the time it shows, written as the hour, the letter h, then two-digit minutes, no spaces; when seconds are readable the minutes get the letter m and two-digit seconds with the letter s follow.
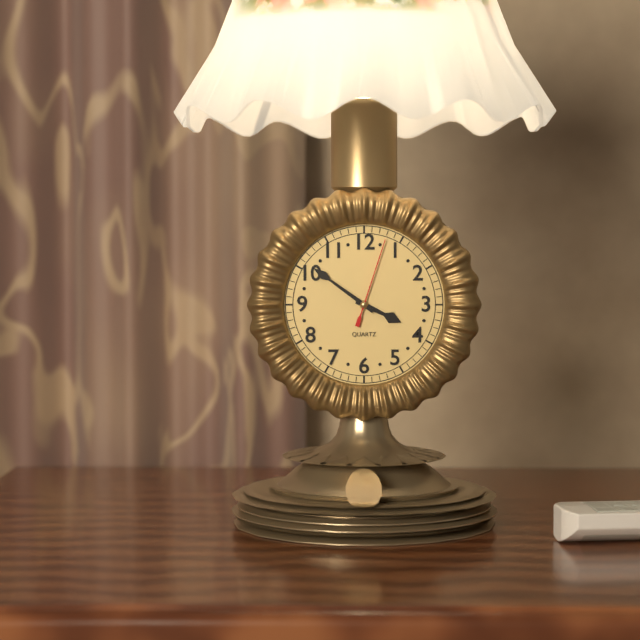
3h51m03s
